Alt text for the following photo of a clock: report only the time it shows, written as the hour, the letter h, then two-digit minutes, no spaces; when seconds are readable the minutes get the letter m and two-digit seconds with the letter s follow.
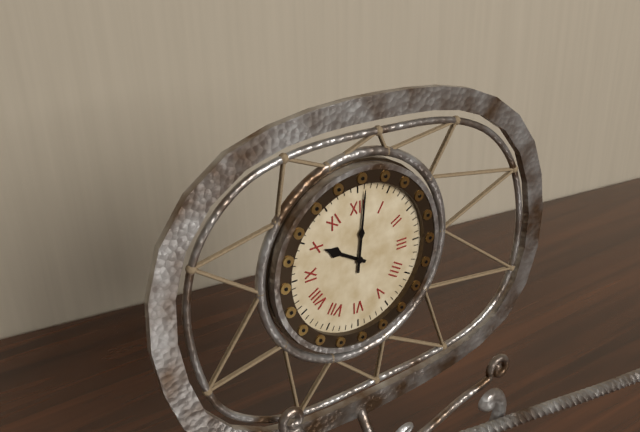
10h01
